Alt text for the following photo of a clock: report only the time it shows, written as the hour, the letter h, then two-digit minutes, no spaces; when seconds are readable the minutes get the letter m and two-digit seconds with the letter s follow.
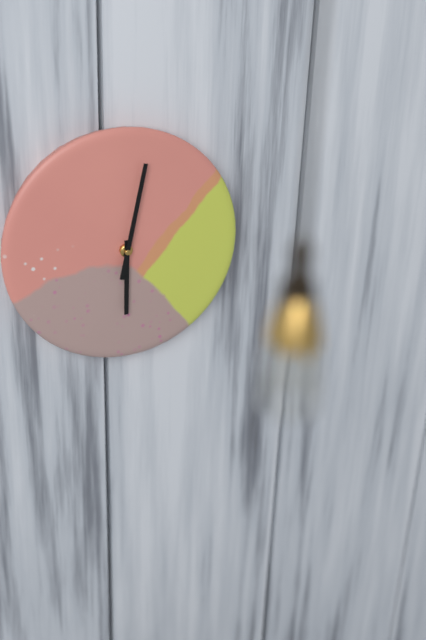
6h02
